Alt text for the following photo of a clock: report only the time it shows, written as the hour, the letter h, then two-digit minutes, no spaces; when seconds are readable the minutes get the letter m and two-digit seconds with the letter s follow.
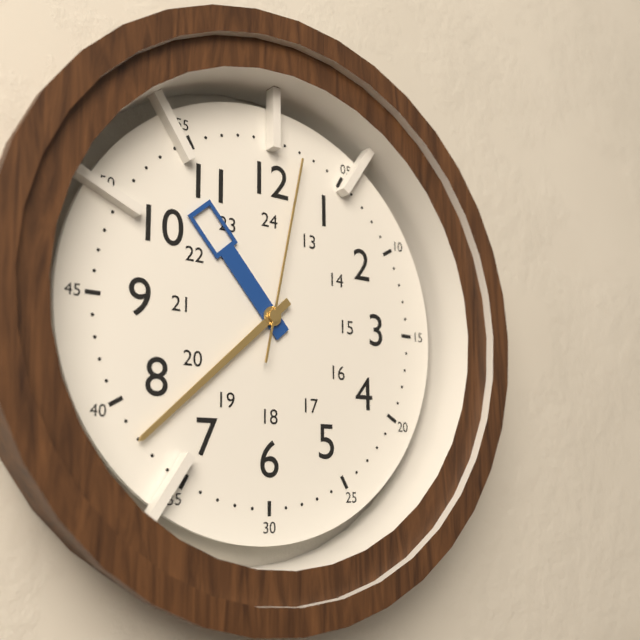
10h38m02s
